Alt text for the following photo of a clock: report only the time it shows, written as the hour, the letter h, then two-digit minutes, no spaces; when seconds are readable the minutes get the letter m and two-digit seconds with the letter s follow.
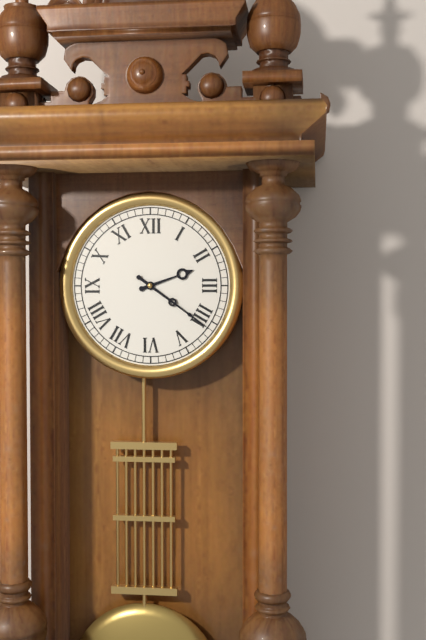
2h21
